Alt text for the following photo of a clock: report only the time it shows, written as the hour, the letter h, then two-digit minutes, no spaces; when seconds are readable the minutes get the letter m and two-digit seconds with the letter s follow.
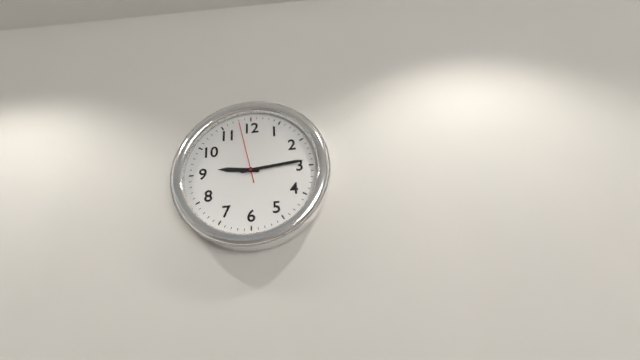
9h14m58s
